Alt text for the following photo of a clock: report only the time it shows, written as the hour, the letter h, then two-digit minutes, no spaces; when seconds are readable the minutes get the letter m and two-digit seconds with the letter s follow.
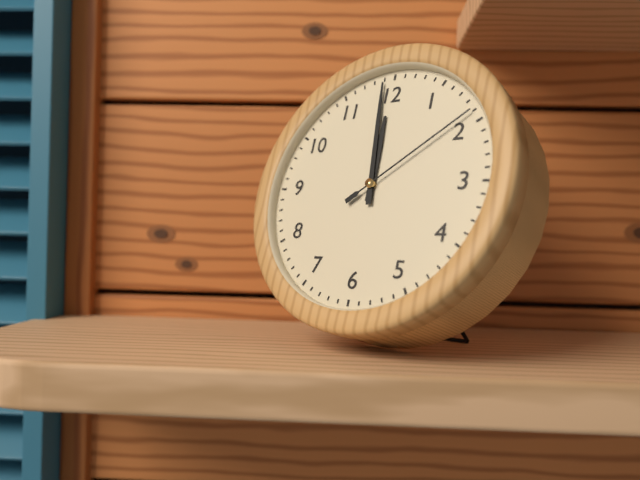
11h59m09s
